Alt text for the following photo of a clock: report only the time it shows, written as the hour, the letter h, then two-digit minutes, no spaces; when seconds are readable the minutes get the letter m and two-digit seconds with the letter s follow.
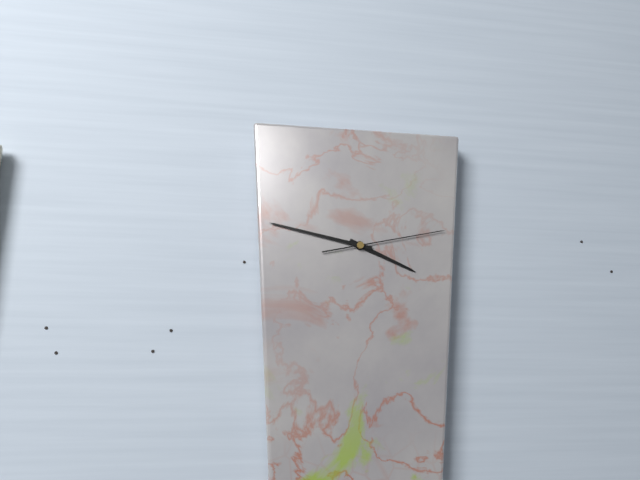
3h47m13s
